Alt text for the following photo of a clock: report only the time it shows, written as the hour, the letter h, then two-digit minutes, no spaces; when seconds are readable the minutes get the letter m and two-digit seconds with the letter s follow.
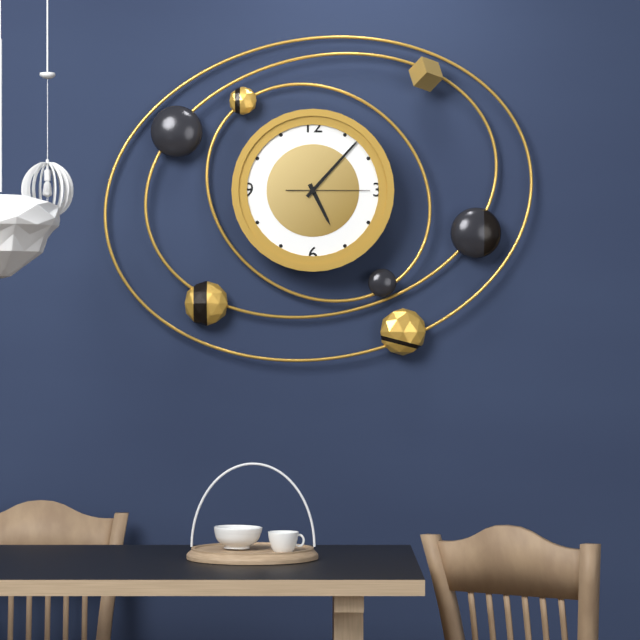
5h07m15s
